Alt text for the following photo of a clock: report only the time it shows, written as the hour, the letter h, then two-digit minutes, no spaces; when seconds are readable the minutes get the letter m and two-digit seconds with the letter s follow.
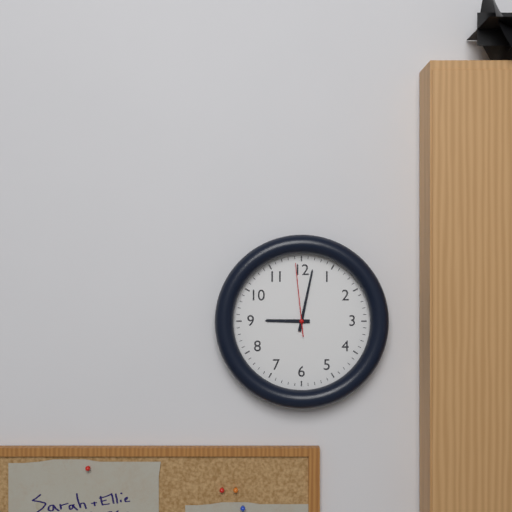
9h02m59s
